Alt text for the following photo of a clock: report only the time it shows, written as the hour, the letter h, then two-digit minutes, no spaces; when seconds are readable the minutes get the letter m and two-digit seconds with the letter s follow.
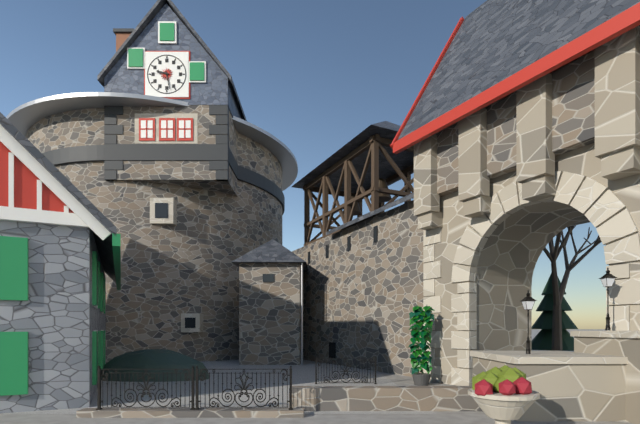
9h28
